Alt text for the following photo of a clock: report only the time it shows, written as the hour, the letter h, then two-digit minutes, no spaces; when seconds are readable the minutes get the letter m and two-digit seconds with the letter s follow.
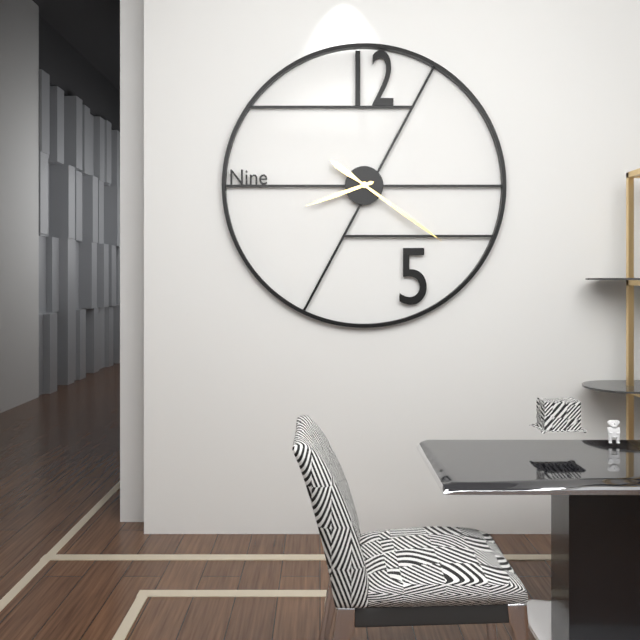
8h21
